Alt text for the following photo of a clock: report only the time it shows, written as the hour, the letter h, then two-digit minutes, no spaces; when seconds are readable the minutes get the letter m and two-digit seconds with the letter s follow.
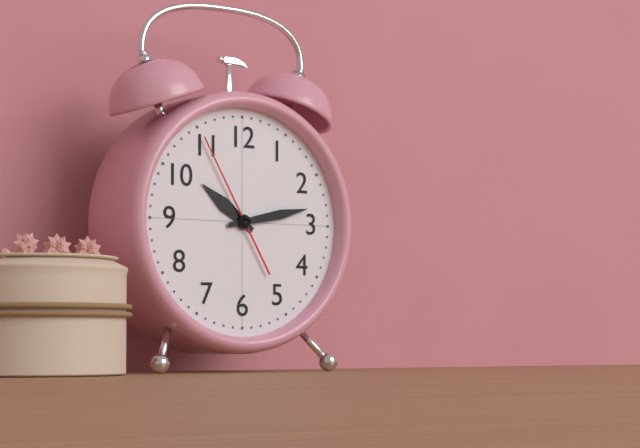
10h13m55s
